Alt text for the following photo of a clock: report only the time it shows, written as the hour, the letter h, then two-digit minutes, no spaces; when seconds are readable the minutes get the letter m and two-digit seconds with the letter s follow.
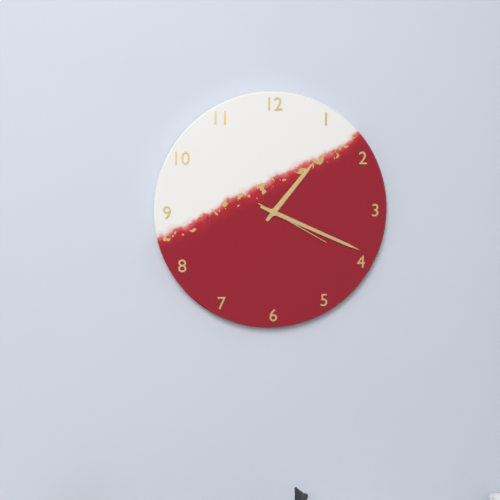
1h19m20s
